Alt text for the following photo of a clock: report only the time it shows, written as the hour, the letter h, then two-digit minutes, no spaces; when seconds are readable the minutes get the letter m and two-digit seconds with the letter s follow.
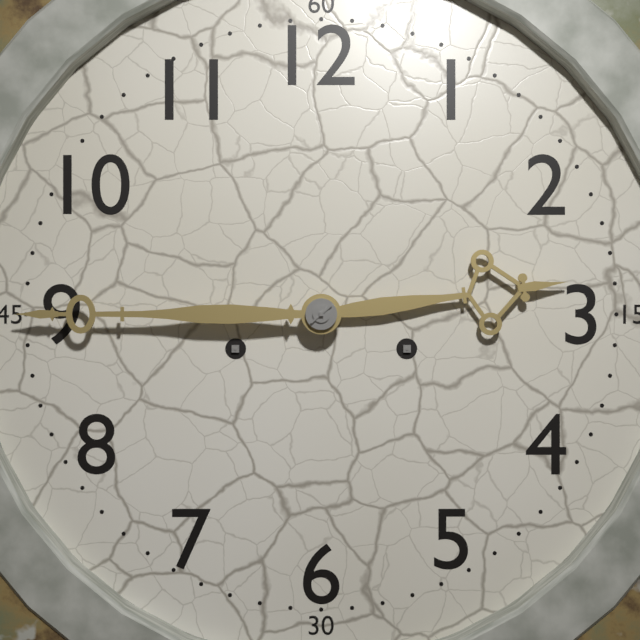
2h45
